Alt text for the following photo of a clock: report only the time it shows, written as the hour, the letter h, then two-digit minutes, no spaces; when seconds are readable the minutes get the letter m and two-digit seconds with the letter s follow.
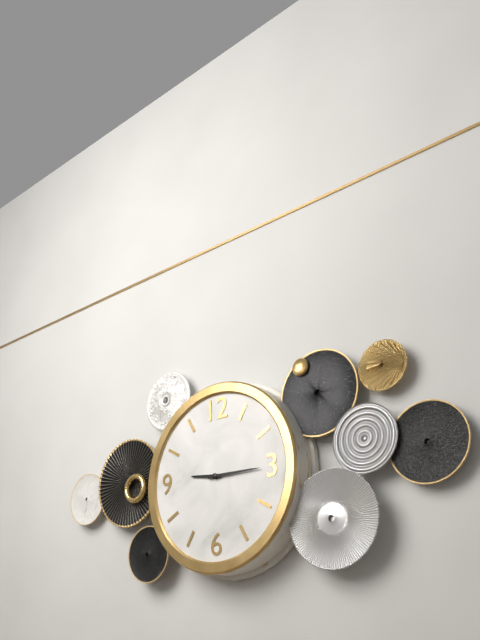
9h15
